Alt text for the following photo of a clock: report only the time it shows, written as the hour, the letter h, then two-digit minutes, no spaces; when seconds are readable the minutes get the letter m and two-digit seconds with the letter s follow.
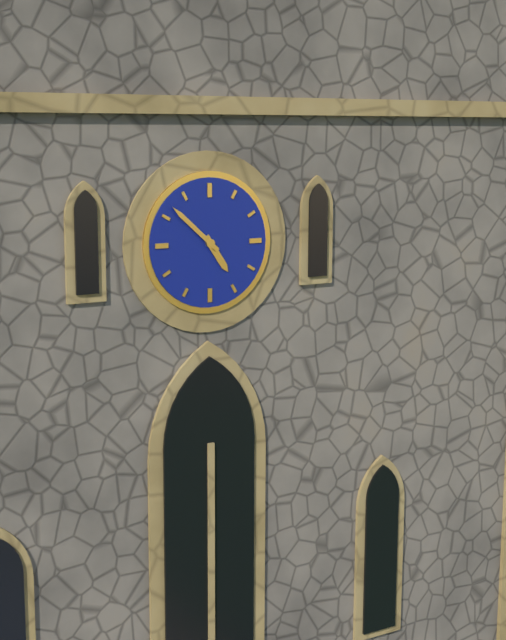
4h52
